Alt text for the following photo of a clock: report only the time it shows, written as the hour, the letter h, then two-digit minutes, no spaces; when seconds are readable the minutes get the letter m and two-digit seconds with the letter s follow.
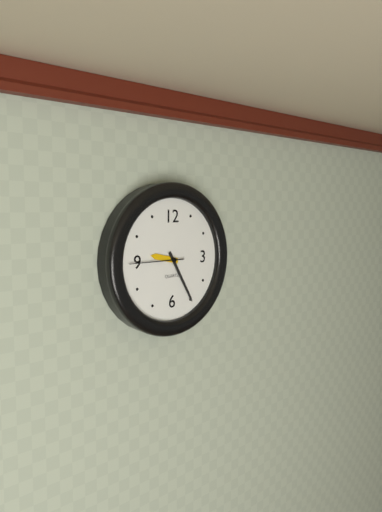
9h25m45s
